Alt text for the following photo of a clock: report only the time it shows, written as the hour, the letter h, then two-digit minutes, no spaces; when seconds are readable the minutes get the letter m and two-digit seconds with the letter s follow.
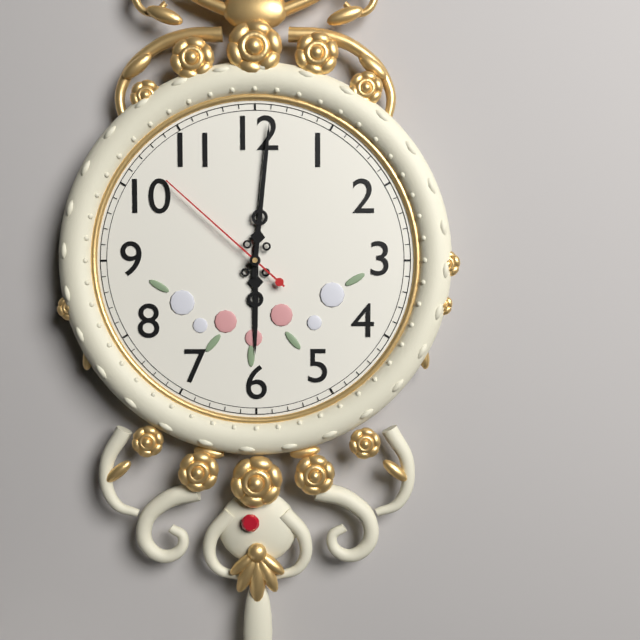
6h01m52s
